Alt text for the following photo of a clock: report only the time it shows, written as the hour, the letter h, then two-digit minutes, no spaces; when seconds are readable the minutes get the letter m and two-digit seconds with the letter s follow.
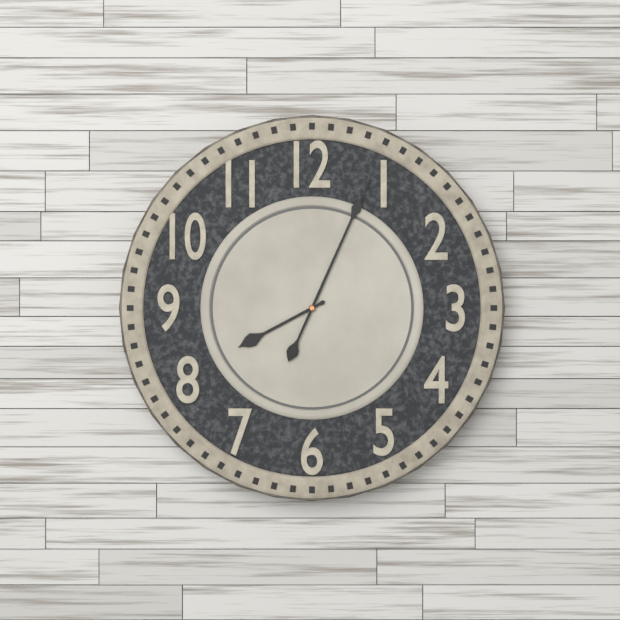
8h04
